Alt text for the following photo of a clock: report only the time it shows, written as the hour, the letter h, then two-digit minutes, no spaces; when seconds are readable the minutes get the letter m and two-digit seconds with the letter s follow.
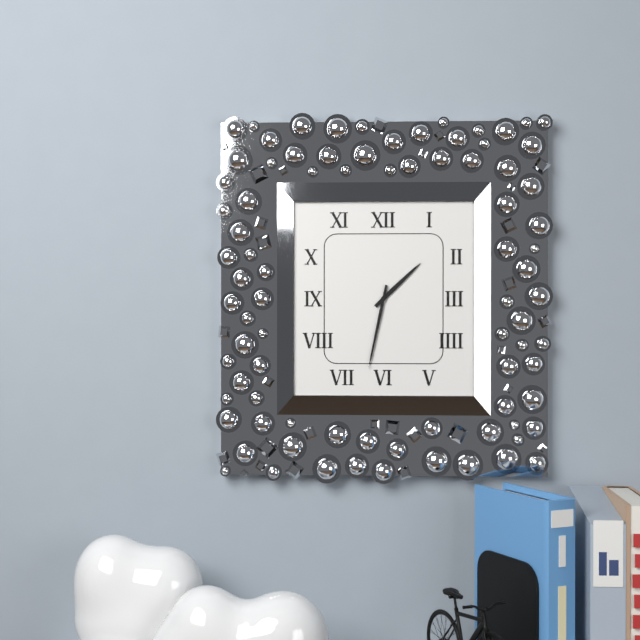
1h32
